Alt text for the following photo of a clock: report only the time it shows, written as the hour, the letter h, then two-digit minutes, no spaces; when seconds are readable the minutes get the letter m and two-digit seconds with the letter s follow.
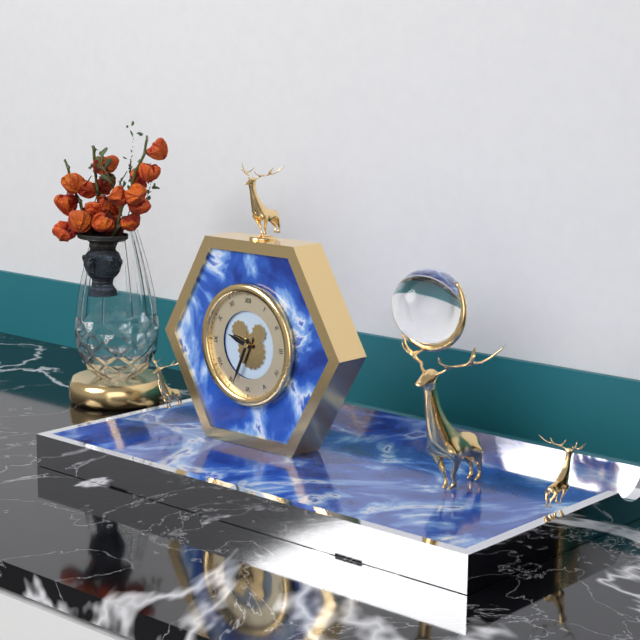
9h34
